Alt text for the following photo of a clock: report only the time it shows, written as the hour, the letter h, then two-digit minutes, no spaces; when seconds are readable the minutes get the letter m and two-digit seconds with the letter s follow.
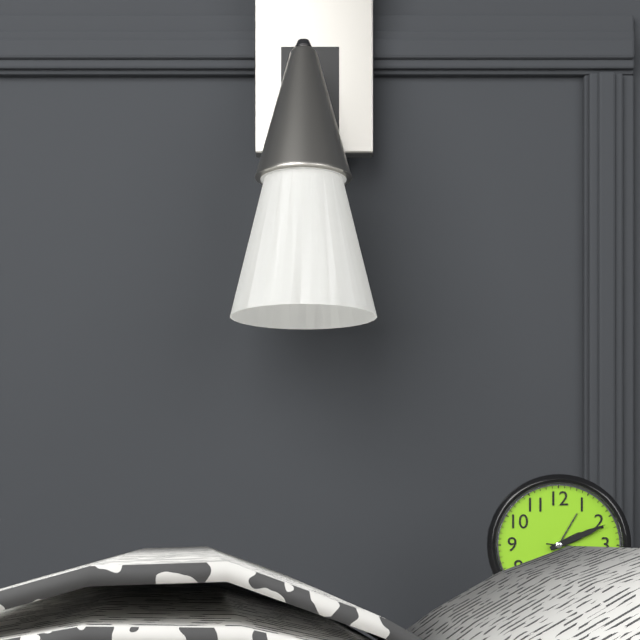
2h11
